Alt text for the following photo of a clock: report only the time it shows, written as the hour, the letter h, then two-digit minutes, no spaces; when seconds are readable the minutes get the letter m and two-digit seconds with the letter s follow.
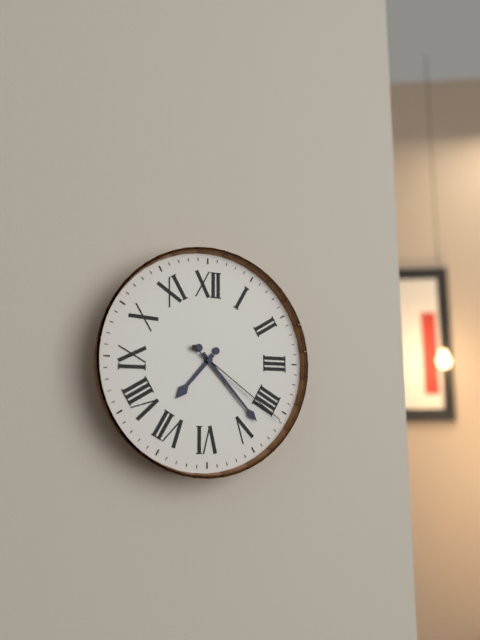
7h23m21s
